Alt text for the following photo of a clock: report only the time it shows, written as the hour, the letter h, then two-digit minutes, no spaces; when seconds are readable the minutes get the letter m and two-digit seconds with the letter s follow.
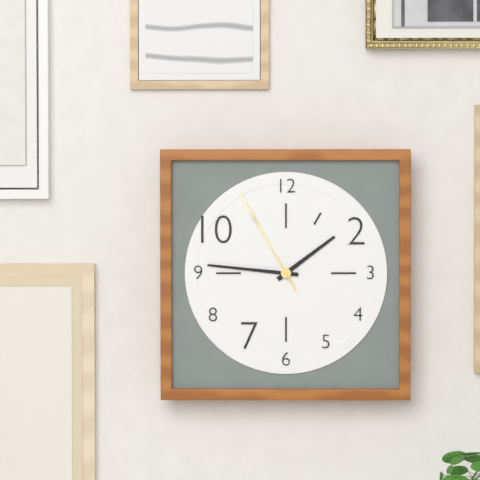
1h46m55s
